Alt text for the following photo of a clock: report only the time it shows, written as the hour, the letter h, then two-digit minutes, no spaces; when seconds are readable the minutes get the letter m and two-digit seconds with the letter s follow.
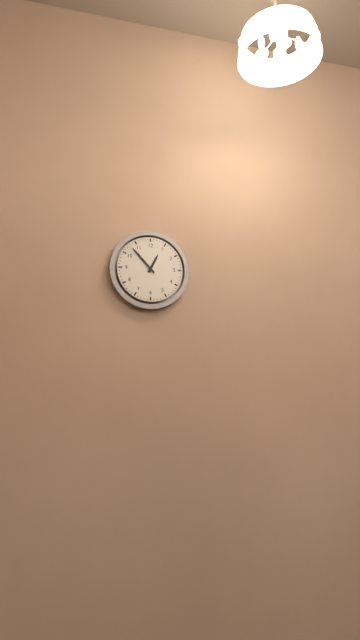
12h53
